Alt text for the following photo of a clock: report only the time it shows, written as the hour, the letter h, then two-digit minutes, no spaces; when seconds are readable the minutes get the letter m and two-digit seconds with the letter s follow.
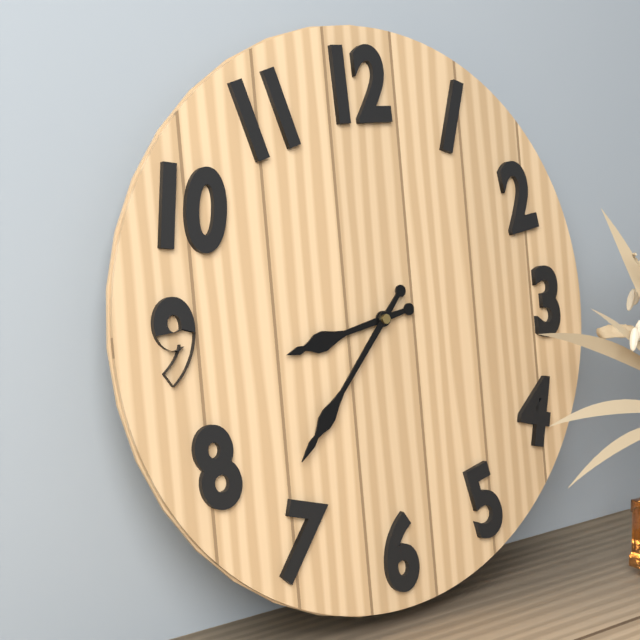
8h37
